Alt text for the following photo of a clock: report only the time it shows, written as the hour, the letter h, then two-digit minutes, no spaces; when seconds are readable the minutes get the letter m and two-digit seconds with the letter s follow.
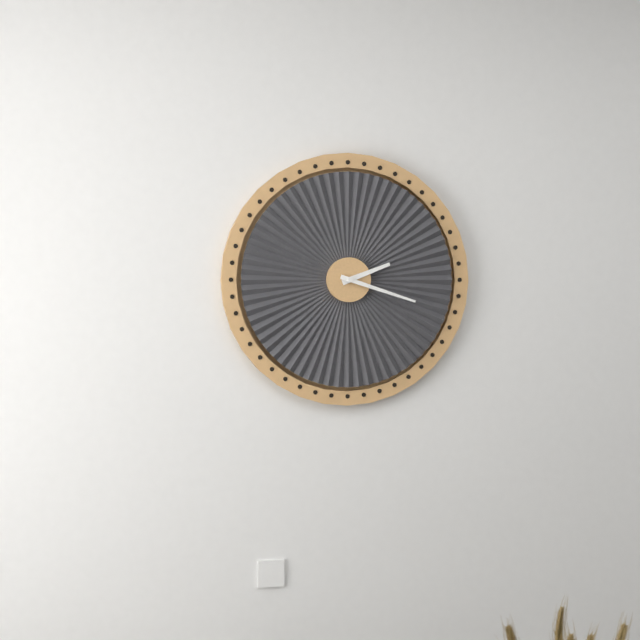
2h18
